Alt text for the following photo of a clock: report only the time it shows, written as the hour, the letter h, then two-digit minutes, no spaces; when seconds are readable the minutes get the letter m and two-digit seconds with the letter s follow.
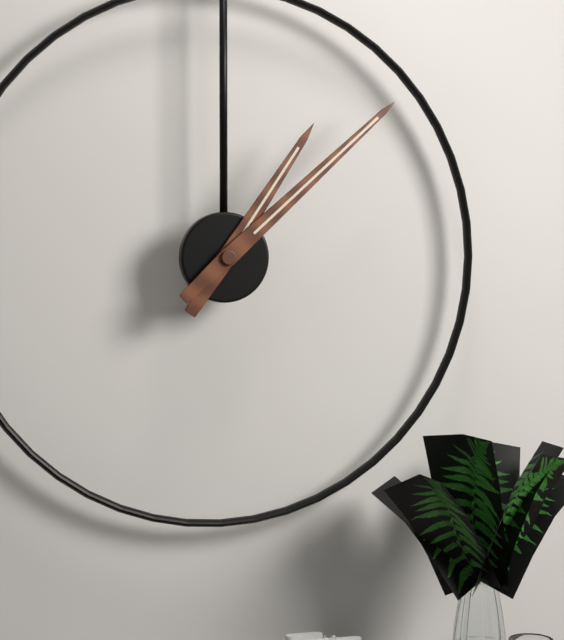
1h08
